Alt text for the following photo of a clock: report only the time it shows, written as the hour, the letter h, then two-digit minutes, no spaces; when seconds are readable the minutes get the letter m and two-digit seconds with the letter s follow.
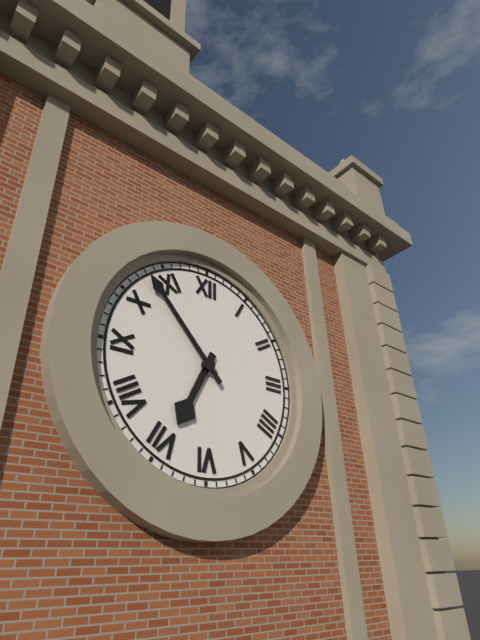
6h53
